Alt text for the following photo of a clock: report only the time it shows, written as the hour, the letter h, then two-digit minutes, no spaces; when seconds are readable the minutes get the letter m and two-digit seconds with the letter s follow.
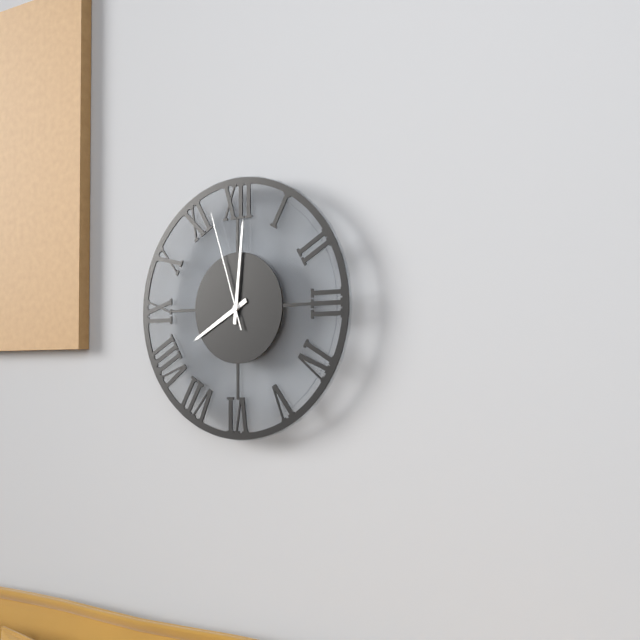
8h01m57s
